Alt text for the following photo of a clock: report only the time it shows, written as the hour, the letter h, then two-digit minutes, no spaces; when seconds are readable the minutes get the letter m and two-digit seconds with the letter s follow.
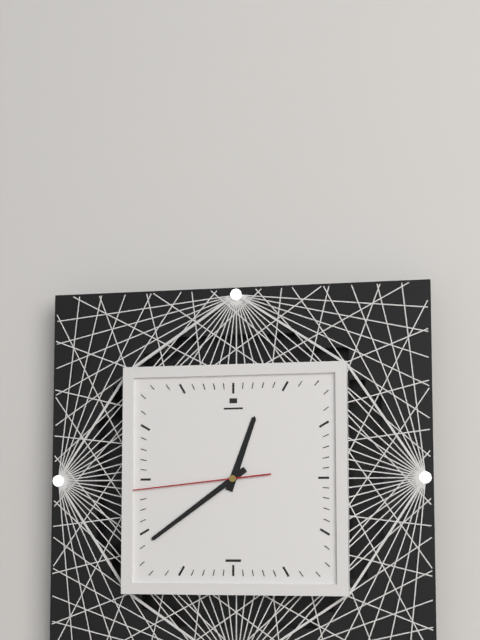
12h39m44s
